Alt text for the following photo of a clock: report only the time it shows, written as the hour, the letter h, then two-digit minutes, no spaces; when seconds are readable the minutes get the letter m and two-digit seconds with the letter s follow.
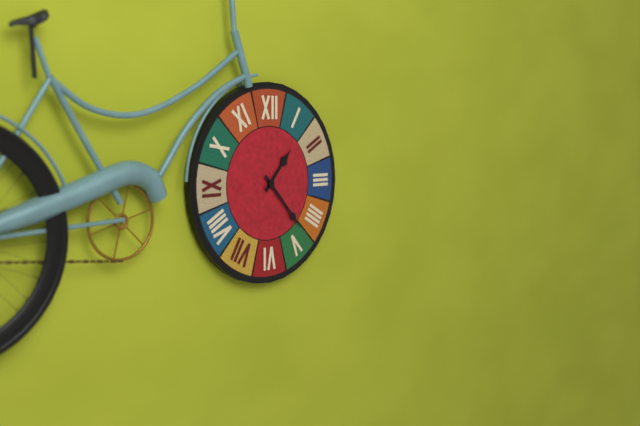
1h23
